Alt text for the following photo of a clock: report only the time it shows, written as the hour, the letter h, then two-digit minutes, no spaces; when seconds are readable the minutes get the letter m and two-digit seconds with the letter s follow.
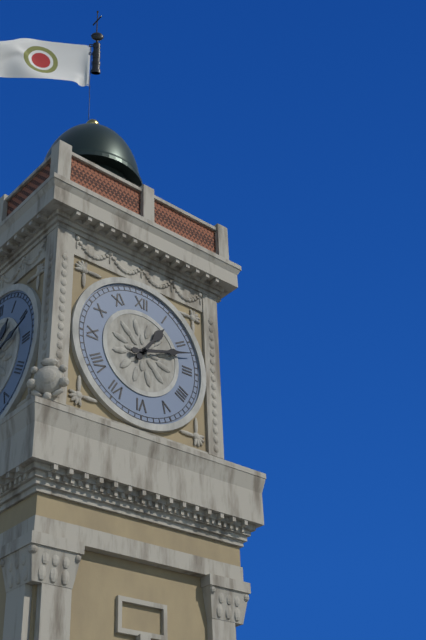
1h12
